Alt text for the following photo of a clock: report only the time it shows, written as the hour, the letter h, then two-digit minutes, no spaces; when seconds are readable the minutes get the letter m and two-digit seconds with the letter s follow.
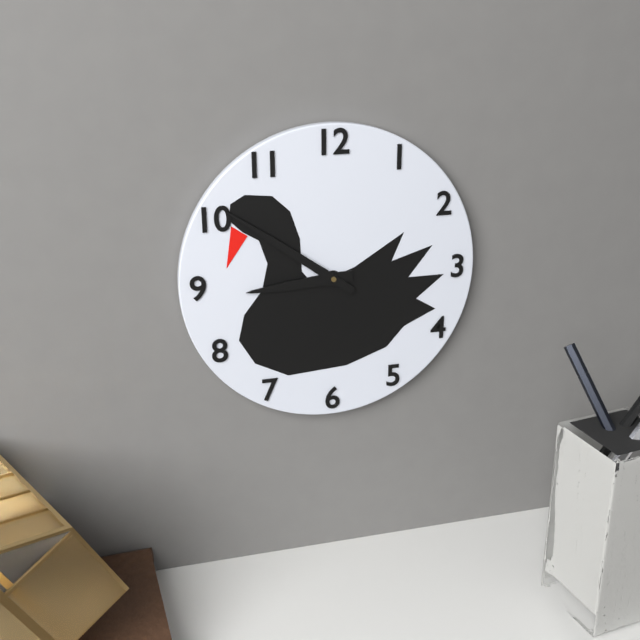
8h51
